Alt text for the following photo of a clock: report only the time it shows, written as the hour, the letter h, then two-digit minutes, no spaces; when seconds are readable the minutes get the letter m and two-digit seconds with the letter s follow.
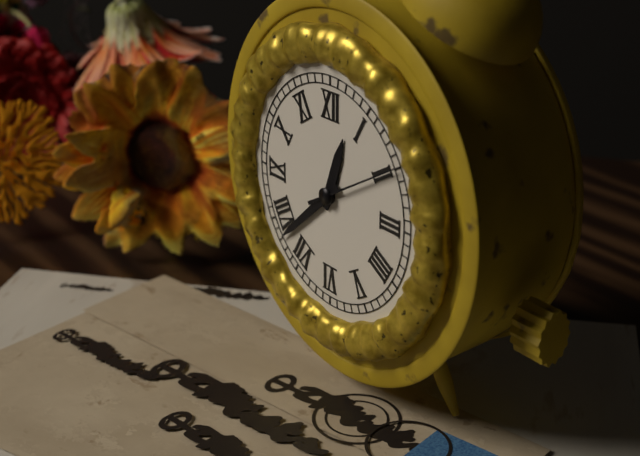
12h38m10s
